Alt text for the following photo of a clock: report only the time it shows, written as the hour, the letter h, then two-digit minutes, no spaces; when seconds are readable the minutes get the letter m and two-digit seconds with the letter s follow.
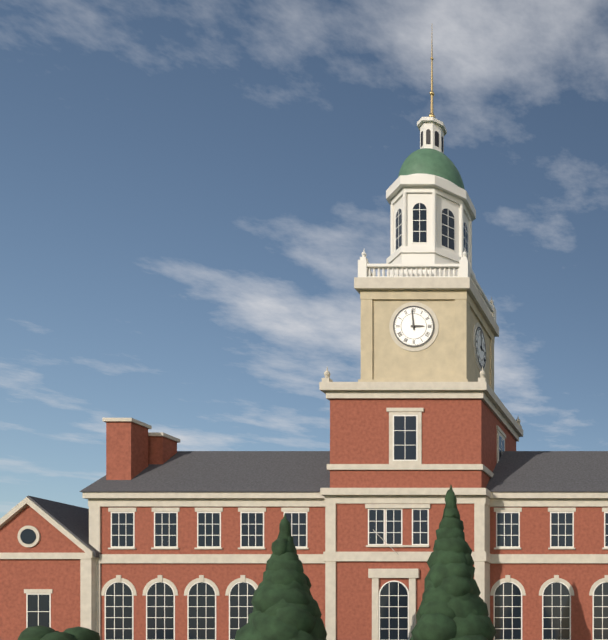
2h59
